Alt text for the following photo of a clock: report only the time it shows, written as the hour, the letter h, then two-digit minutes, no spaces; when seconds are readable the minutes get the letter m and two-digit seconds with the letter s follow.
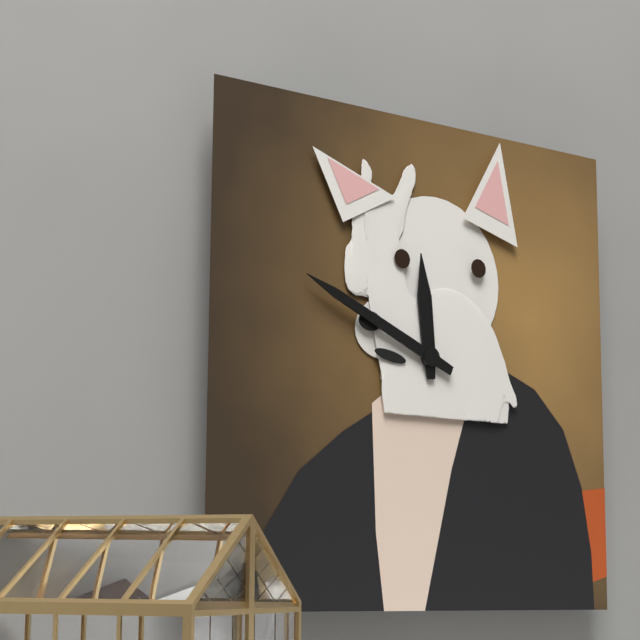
11h49
